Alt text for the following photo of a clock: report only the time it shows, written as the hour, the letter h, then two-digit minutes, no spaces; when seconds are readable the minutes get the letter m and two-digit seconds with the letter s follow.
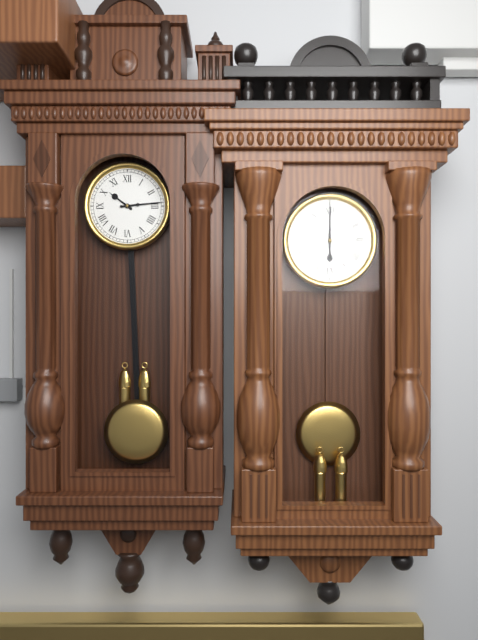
10h14
